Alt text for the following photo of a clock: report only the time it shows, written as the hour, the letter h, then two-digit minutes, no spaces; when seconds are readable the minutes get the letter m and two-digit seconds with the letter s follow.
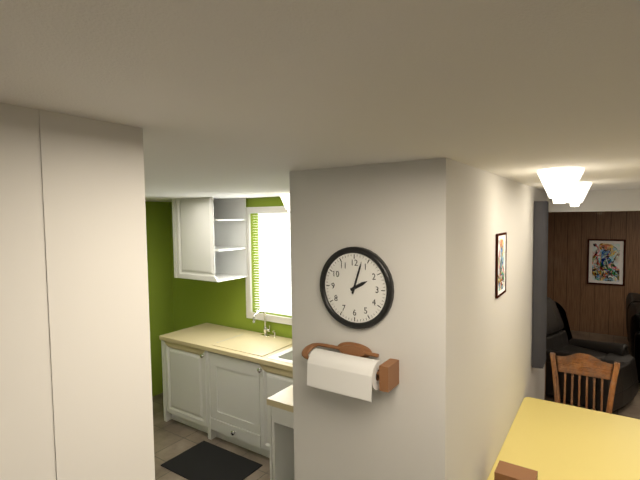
2h03
